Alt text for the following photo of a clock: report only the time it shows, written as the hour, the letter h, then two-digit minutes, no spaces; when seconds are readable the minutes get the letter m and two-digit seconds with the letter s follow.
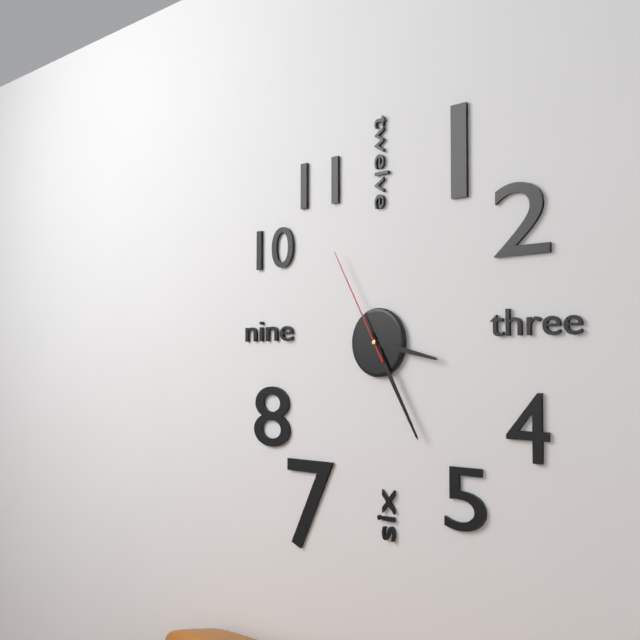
3h25m55s
